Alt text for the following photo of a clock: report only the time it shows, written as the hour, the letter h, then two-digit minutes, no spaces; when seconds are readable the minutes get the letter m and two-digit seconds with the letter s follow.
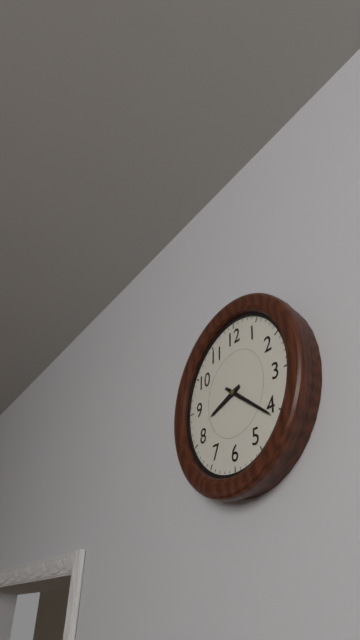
8h21
